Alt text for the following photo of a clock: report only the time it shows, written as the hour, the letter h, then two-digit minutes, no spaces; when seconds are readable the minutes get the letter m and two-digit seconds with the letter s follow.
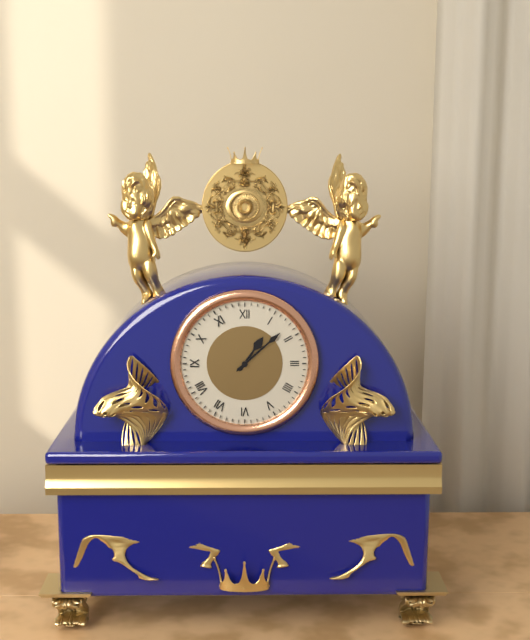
1h08
